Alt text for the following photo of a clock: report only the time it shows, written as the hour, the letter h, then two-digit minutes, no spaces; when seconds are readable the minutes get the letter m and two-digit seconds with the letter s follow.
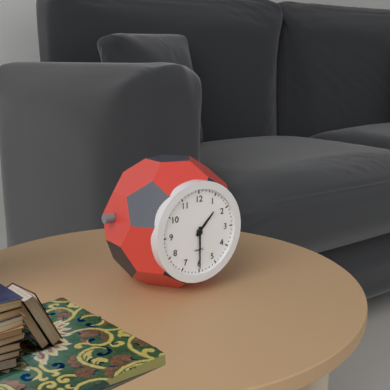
1h30
